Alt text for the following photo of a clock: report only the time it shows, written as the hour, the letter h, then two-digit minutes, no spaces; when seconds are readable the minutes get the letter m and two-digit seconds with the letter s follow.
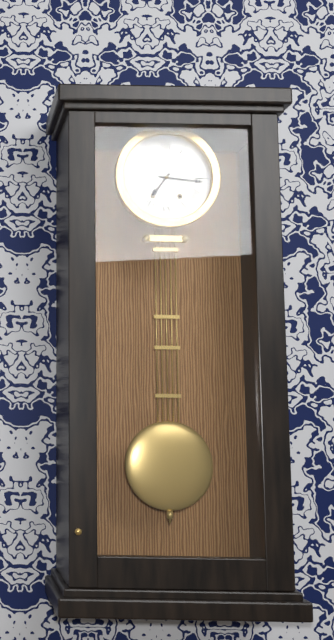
7h16
